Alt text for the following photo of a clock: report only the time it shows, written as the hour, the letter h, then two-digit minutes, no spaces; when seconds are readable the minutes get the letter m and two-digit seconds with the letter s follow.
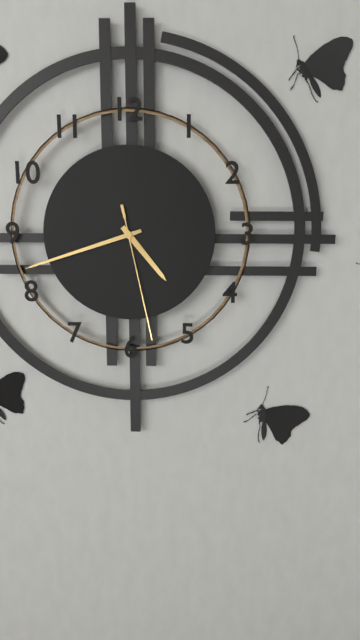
4h42m28s
